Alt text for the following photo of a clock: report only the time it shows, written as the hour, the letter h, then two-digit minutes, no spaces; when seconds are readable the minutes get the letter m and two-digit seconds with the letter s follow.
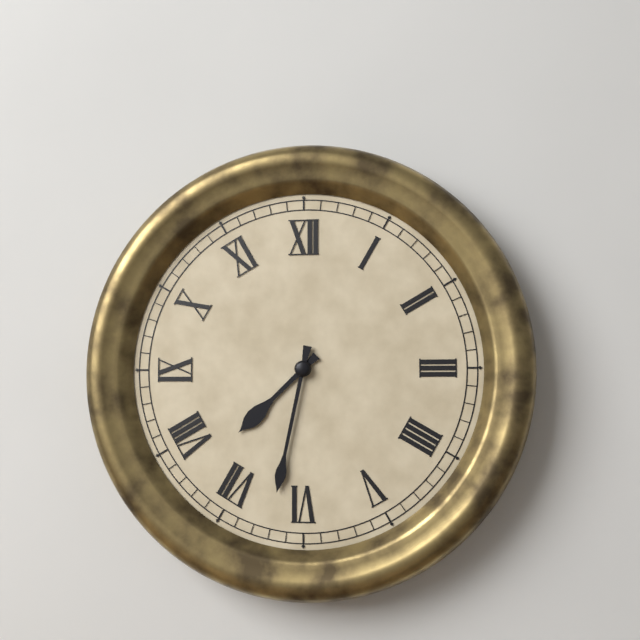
7h32
